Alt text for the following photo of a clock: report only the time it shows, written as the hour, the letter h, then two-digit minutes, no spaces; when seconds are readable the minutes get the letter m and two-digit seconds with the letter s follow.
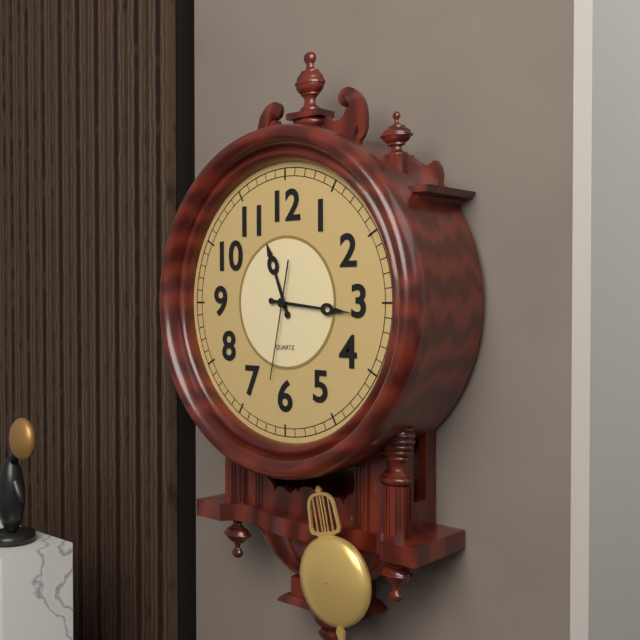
11h16m32s
